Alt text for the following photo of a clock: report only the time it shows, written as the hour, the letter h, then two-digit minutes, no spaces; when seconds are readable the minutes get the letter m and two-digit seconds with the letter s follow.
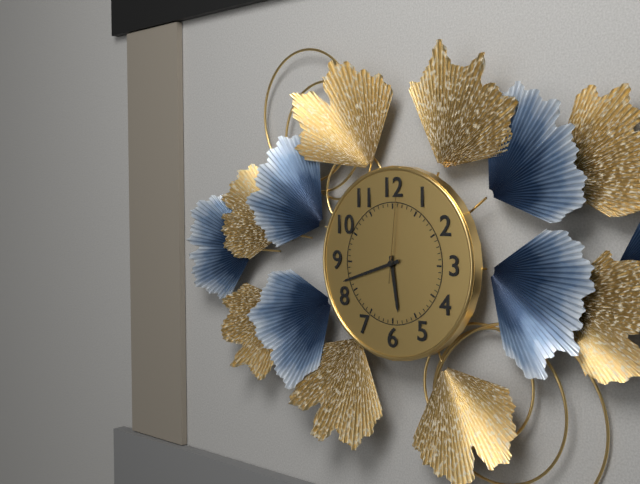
5h42m01s
